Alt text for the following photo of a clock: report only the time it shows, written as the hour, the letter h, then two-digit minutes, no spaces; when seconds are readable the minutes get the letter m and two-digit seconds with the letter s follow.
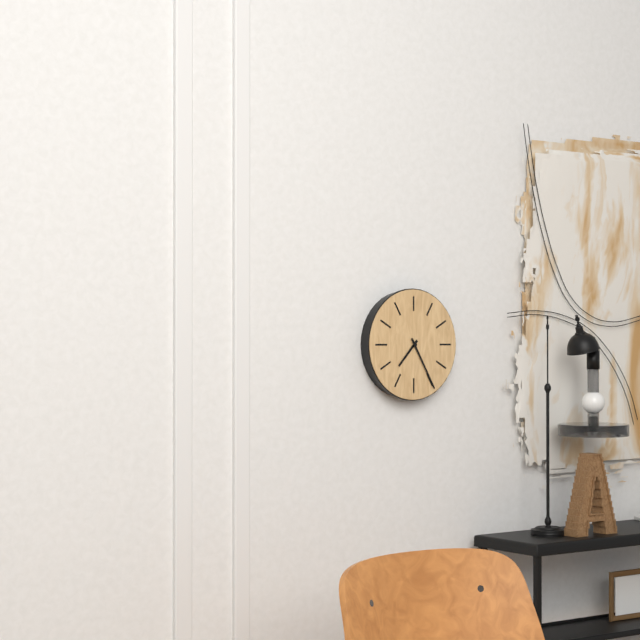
7h25
